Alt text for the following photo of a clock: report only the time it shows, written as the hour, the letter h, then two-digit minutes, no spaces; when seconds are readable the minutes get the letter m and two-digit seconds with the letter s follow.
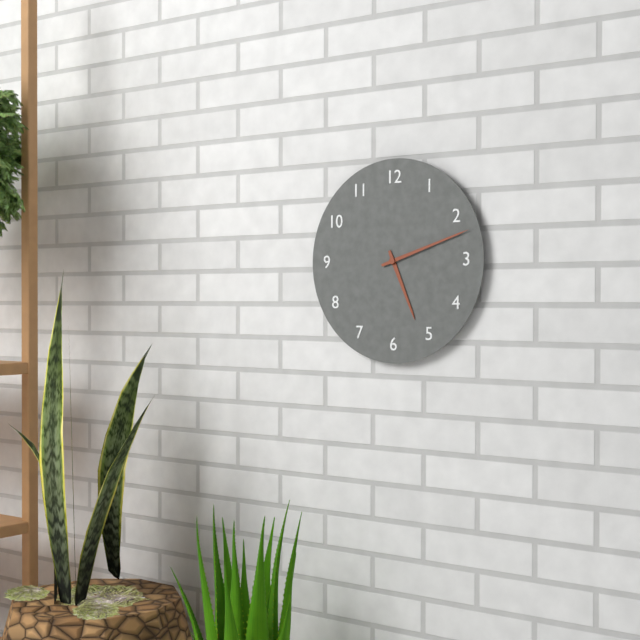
5h12
